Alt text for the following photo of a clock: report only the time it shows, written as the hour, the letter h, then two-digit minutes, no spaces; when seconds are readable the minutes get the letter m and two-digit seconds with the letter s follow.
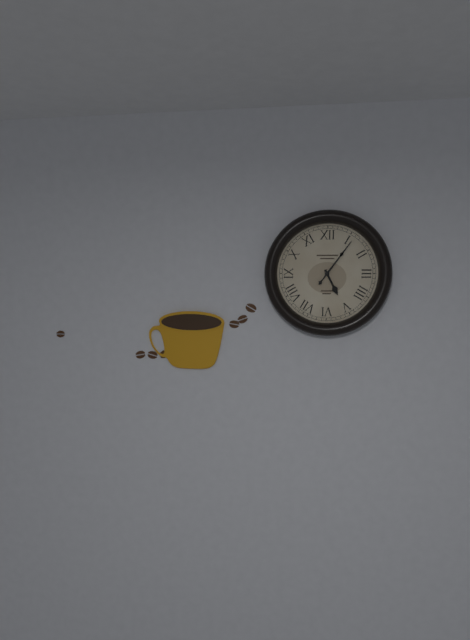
5h06
